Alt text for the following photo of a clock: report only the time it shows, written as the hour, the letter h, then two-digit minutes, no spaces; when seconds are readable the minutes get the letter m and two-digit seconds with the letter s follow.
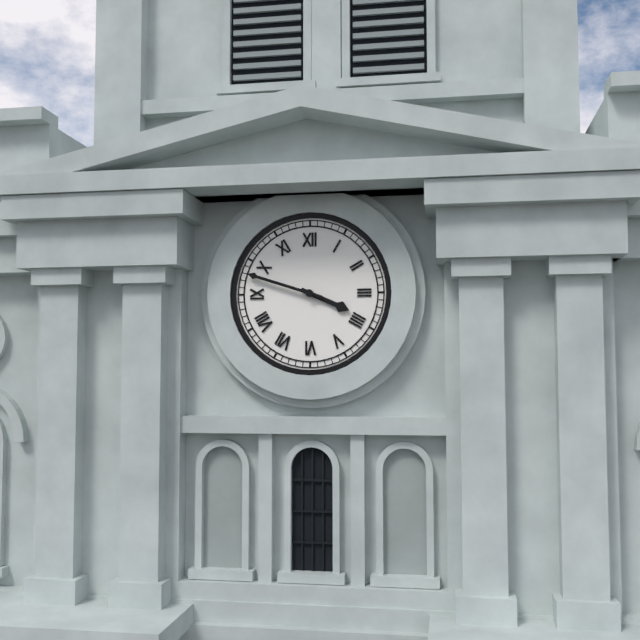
3h48
